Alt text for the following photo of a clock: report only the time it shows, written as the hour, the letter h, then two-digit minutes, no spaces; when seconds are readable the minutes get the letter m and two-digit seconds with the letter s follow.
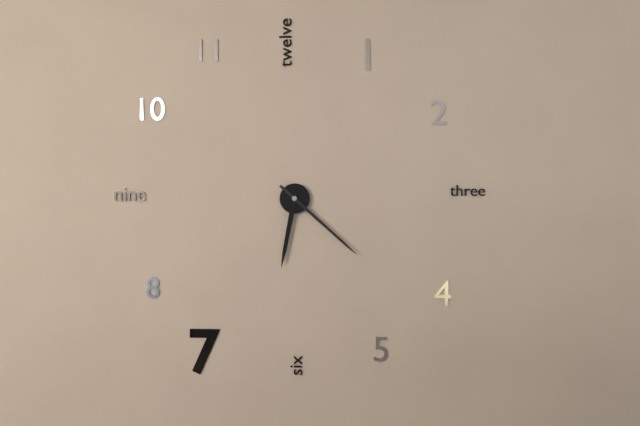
6h22
